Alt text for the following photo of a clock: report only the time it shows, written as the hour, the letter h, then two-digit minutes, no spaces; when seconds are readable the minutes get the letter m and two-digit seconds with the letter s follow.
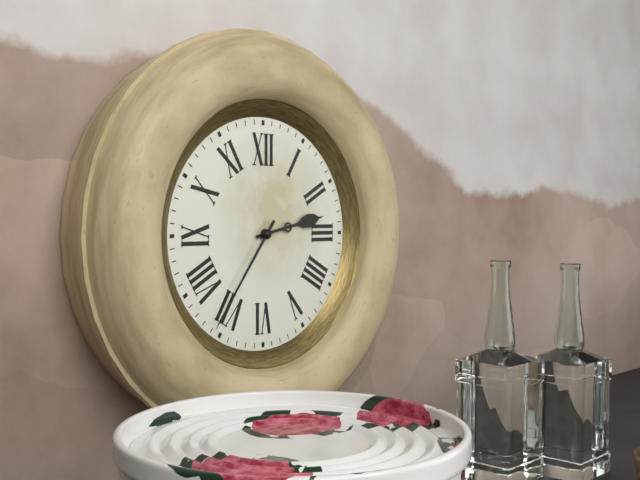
2h36
